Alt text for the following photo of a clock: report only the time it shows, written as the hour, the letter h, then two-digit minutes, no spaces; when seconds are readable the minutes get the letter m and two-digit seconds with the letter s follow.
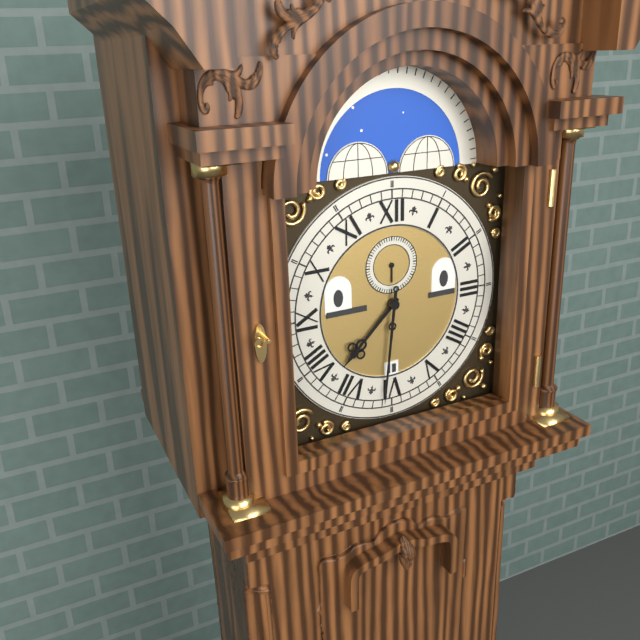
7h31
